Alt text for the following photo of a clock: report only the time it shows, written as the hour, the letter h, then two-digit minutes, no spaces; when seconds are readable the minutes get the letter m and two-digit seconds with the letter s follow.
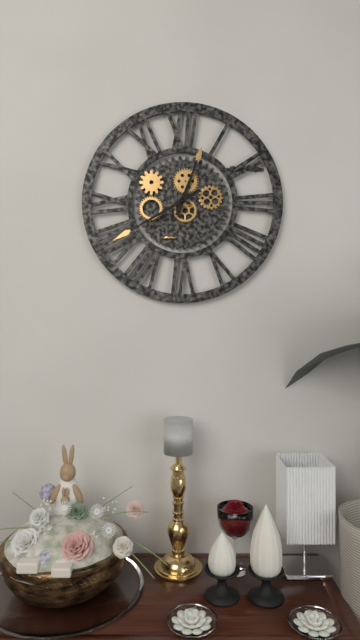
12h40
